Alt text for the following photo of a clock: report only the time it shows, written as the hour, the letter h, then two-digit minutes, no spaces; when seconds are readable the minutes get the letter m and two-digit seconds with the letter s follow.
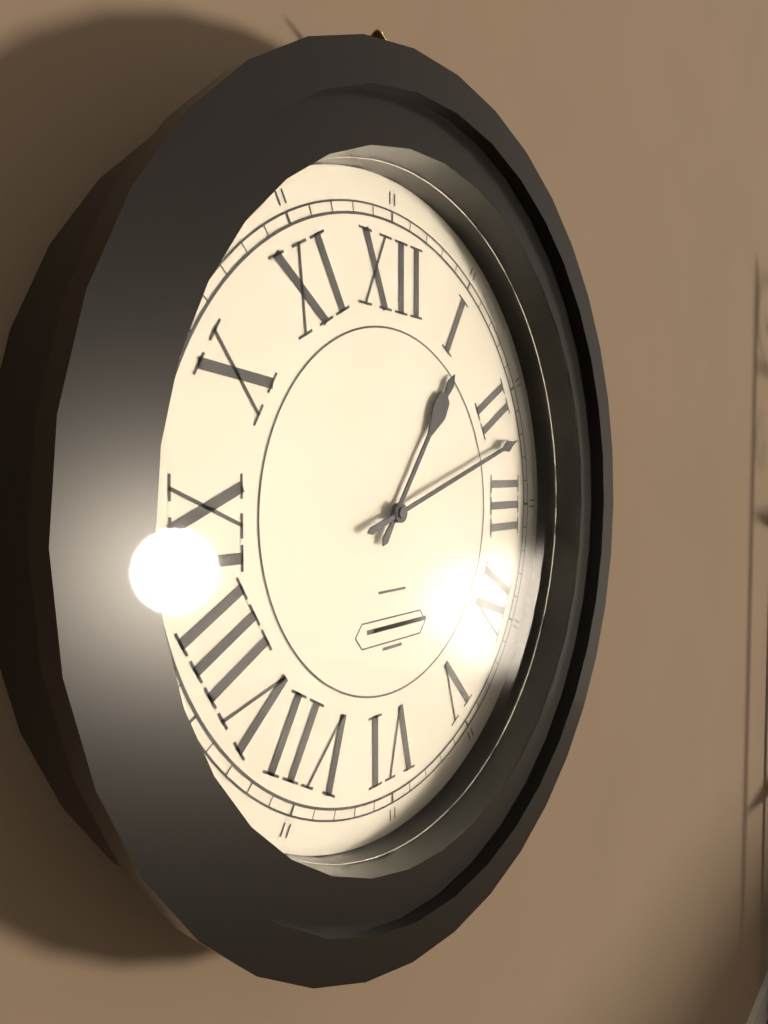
1h12
